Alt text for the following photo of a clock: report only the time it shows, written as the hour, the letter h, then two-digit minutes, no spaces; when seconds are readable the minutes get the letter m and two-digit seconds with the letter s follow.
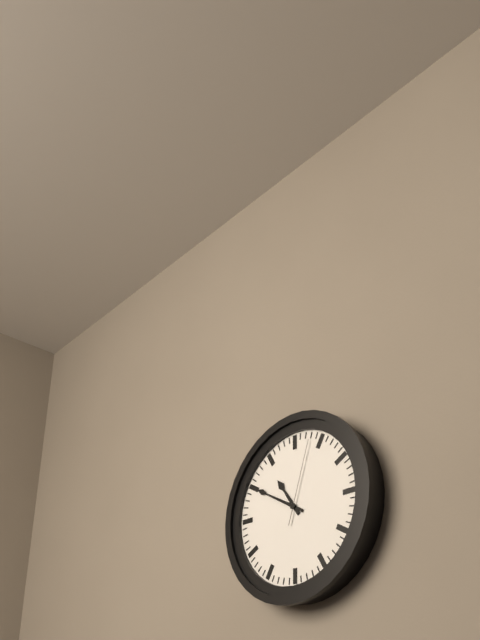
10h50m03s
